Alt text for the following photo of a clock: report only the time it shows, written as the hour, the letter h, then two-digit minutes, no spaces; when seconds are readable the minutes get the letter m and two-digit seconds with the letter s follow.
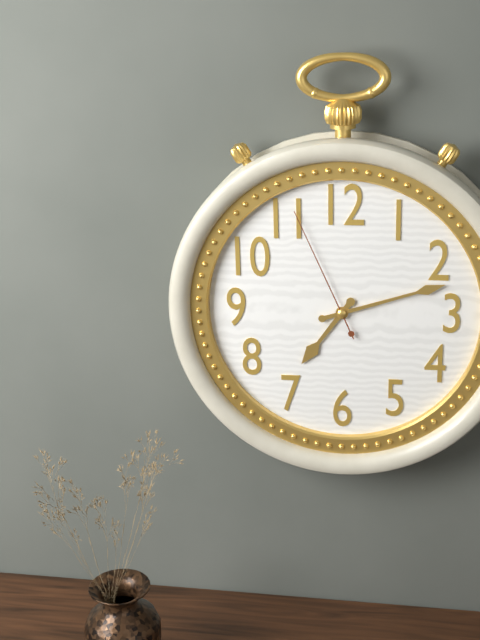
7h12m56s
